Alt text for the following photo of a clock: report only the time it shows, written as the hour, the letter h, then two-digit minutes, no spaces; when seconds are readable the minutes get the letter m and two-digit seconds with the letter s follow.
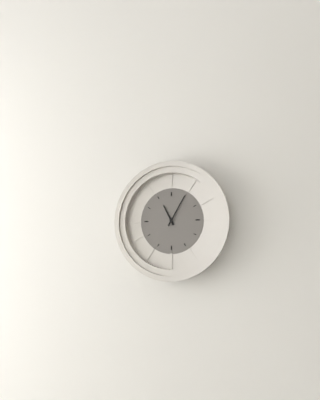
11h05
